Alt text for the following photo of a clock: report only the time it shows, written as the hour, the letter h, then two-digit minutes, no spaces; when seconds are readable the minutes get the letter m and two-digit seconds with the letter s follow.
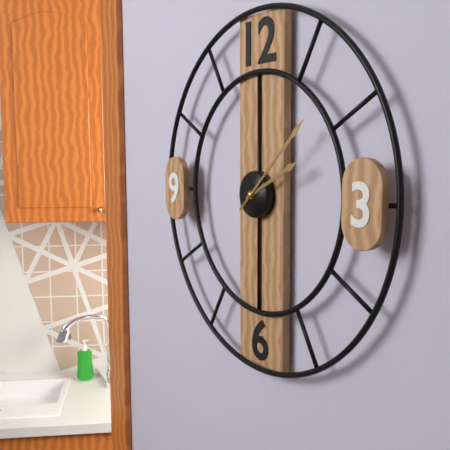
2h08
